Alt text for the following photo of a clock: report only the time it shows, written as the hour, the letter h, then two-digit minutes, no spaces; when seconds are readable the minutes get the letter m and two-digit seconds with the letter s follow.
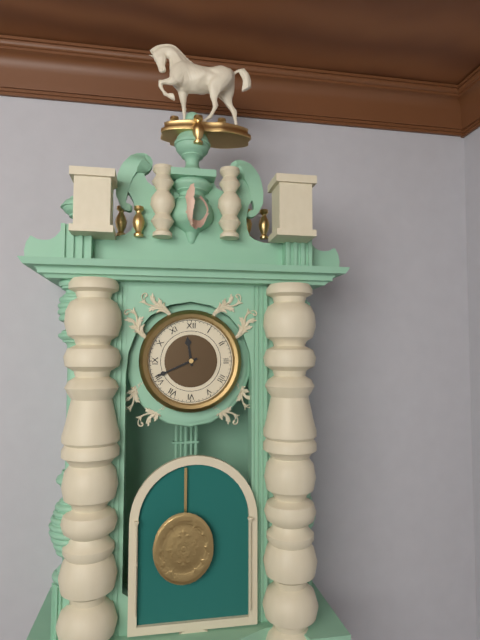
11h41
